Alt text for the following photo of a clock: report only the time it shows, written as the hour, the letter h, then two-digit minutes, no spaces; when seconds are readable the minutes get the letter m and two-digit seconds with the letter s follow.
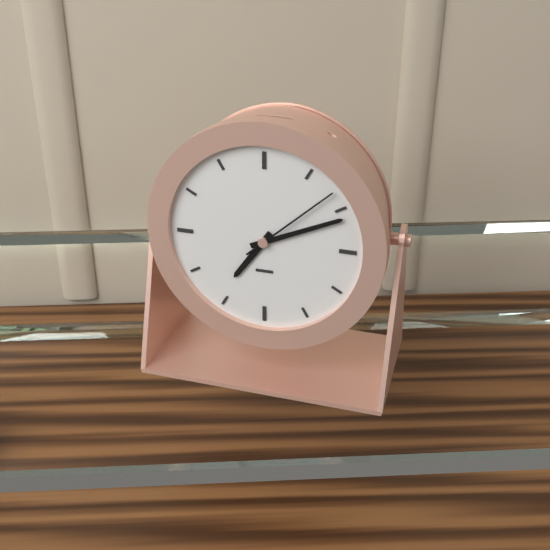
7h11m08s
